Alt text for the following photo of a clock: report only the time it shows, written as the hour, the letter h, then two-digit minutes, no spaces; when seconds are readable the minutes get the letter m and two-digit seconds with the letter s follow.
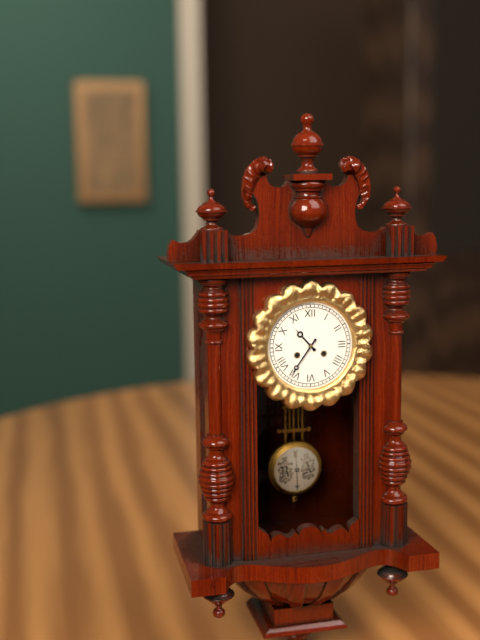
10h36
